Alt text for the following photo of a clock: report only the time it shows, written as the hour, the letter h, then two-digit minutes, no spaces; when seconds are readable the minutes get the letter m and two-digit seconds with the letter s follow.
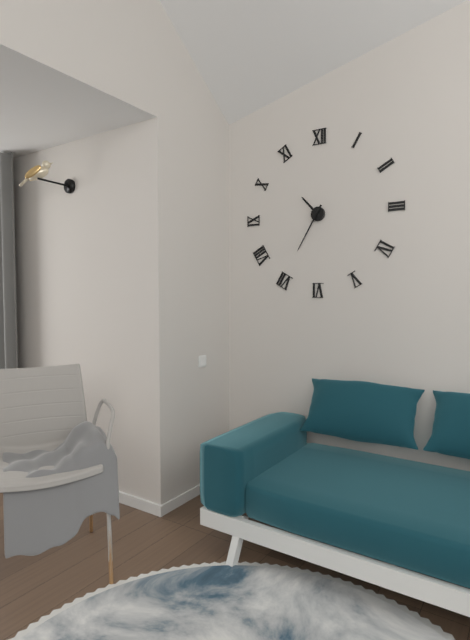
10h35
